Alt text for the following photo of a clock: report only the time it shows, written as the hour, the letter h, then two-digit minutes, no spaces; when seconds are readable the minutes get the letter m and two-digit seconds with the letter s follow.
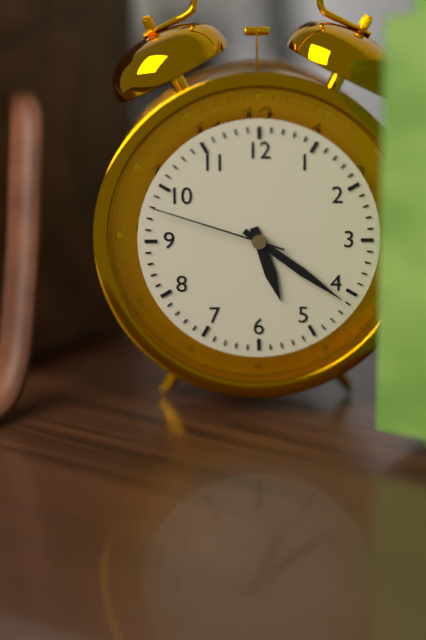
5h21m48s
